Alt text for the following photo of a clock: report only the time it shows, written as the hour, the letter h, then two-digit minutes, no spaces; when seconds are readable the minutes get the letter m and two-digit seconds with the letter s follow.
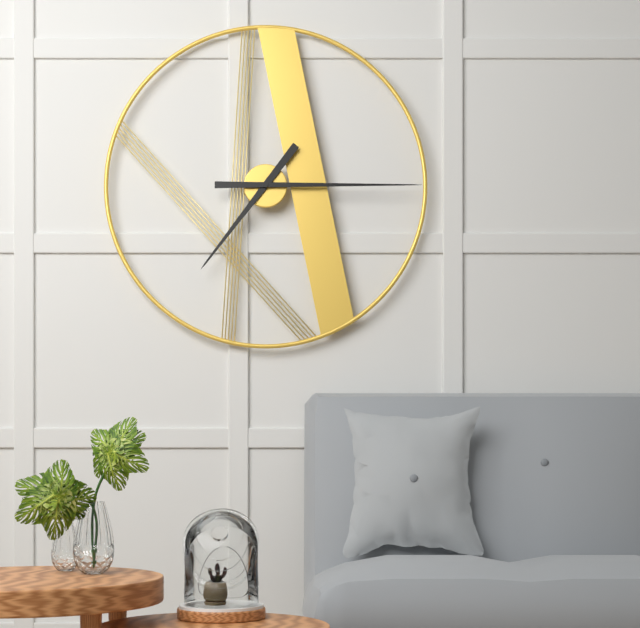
7h15
